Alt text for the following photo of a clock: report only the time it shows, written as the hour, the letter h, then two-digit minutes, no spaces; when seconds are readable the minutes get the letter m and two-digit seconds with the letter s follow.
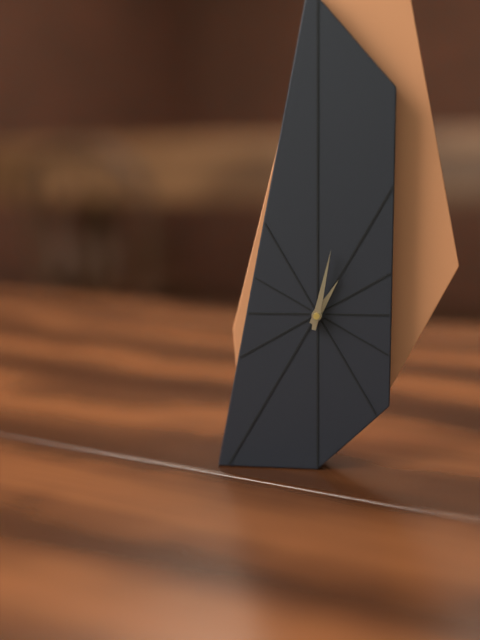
1h02
